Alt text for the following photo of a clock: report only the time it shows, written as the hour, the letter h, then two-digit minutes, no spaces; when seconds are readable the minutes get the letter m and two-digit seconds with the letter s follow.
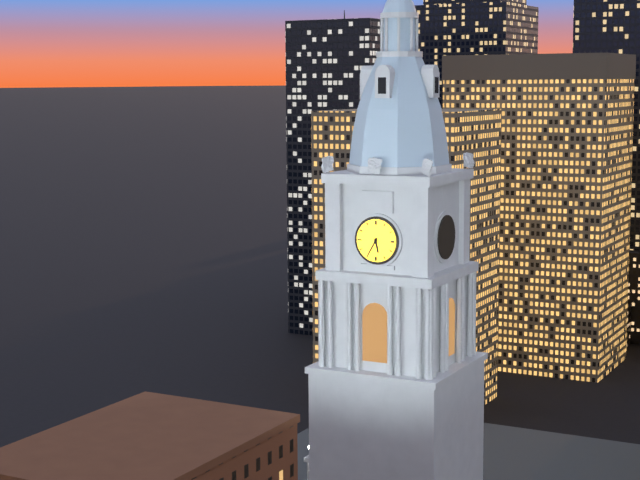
5h35
